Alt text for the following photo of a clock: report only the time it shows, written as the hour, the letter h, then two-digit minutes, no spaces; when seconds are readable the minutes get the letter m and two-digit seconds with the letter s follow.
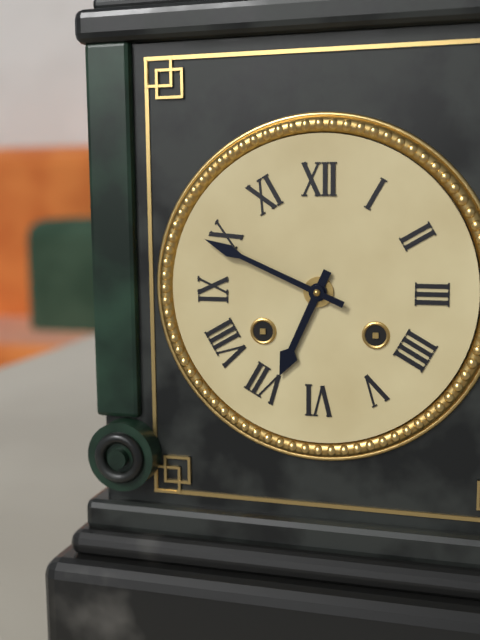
6h49
